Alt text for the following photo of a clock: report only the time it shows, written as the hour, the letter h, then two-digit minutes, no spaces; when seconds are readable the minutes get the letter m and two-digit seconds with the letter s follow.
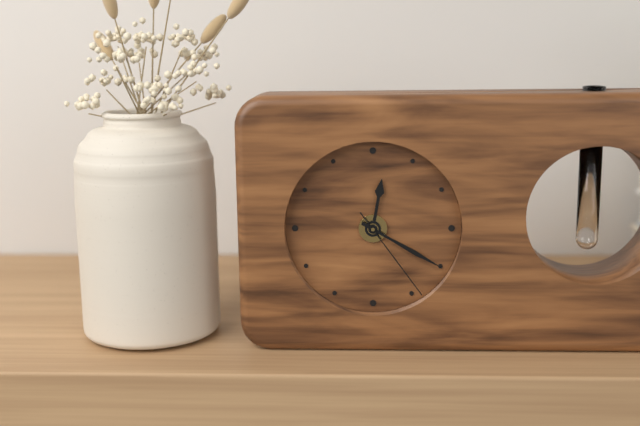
12h20m24s
